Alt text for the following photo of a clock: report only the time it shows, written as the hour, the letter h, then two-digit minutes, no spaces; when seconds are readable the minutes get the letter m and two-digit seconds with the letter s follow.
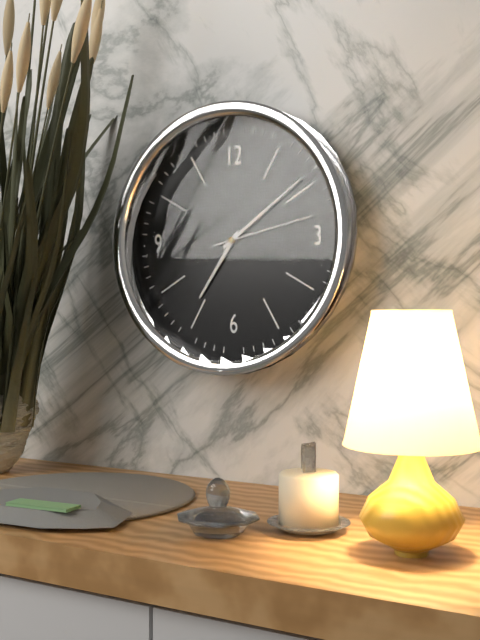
7h09m13s
